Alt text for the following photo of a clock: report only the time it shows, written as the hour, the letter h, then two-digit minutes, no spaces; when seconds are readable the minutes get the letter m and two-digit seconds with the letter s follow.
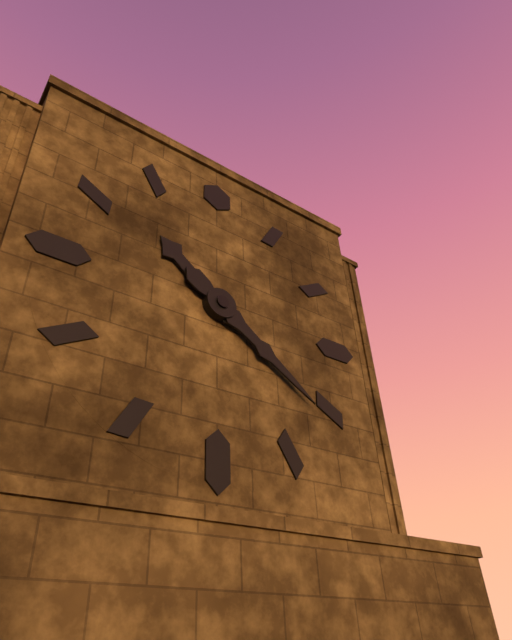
10h21
